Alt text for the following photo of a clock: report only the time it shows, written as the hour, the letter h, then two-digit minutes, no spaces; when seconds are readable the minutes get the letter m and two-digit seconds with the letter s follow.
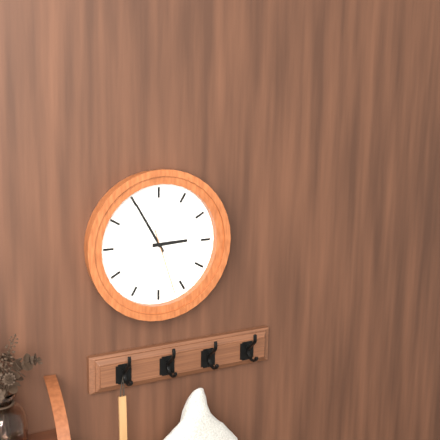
2h55m27s
